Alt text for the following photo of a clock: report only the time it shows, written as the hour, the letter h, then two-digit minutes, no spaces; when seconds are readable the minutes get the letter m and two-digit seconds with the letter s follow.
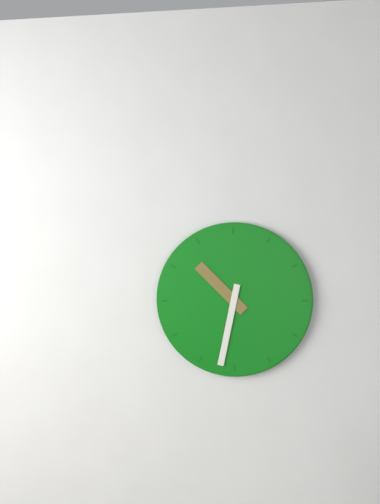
10h32
